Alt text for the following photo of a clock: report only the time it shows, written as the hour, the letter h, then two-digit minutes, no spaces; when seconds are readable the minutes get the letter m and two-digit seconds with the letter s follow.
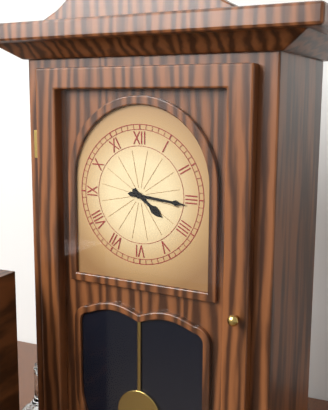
4h16
